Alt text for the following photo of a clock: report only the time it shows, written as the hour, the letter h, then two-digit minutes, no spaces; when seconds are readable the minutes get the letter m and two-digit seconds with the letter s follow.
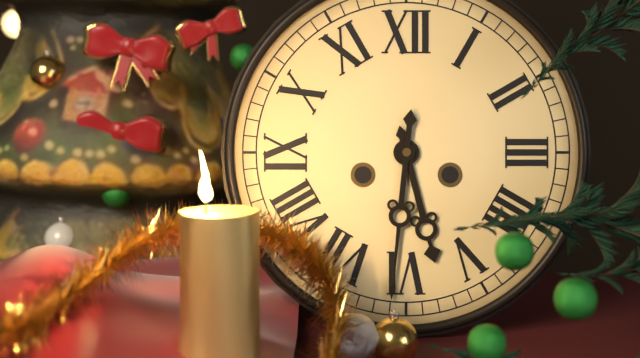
5h31
